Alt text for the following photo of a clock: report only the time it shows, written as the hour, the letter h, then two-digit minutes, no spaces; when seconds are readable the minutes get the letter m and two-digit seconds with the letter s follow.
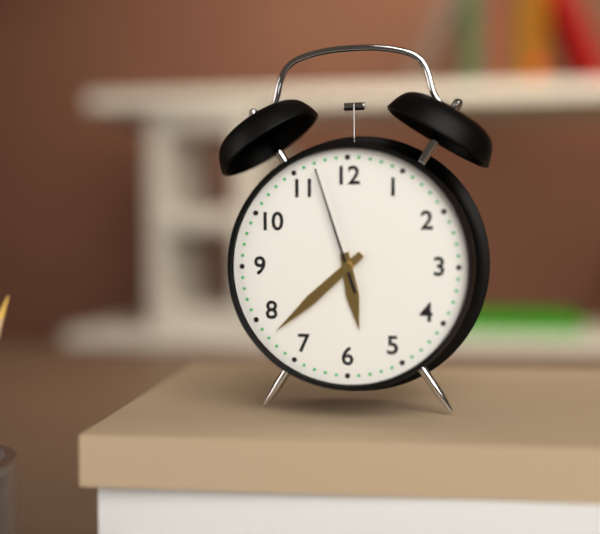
5h38m57s
